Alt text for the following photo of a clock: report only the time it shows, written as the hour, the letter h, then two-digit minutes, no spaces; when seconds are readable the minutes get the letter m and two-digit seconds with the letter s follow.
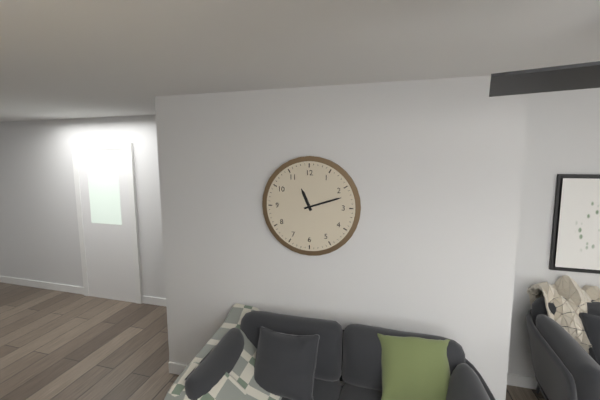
11h12
